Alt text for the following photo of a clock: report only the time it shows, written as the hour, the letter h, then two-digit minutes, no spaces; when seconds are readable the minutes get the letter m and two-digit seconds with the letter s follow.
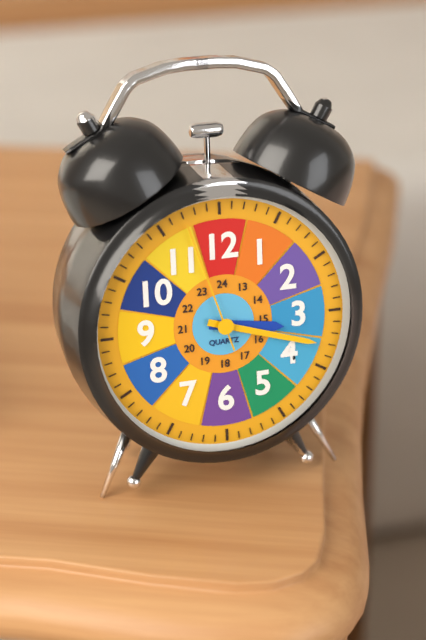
3h18m57s
